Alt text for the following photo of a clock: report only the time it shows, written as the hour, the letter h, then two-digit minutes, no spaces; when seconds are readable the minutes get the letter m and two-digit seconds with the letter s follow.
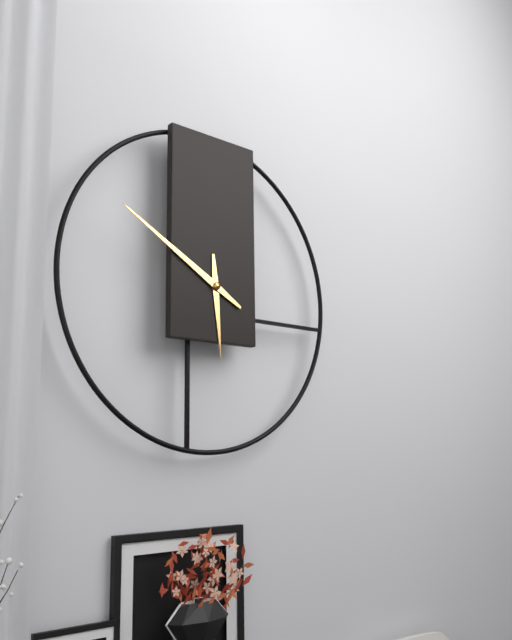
5h50
